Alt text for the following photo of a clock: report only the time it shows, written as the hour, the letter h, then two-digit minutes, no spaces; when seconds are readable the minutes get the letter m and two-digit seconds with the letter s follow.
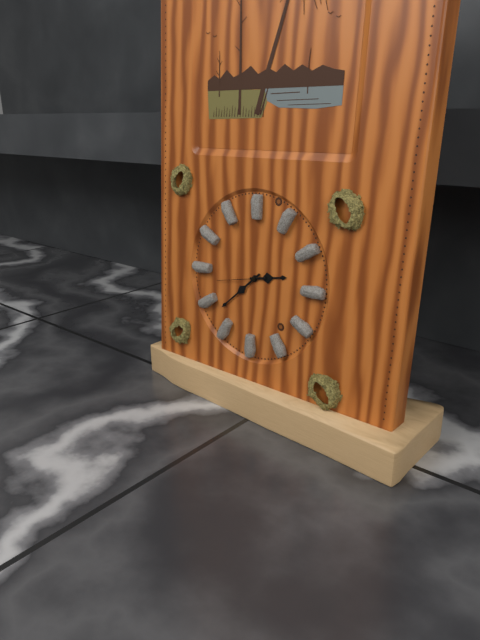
2h38
